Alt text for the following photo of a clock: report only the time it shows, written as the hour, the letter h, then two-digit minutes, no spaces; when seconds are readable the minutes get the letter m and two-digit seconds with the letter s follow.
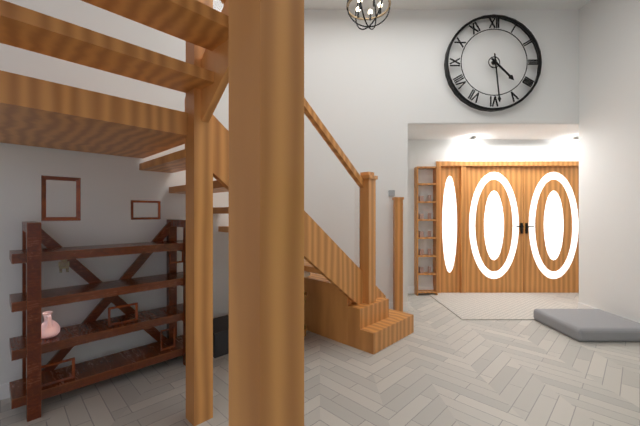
4h29
